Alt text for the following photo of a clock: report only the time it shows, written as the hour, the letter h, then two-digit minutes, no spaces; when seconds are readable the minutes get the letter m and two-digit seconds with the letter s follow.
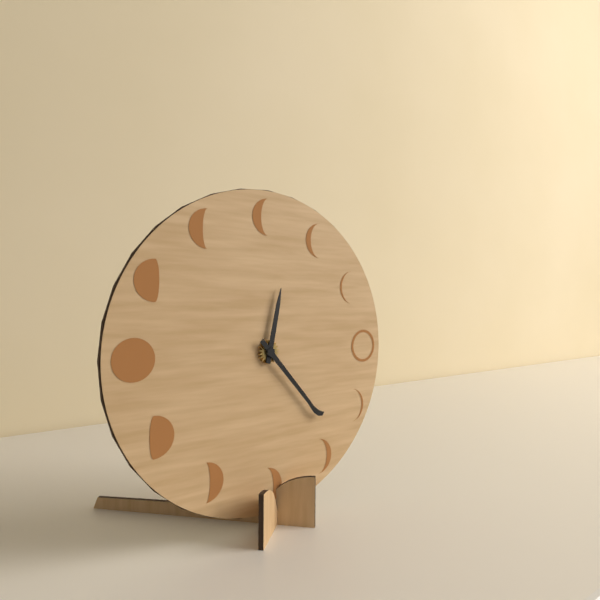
12h23
